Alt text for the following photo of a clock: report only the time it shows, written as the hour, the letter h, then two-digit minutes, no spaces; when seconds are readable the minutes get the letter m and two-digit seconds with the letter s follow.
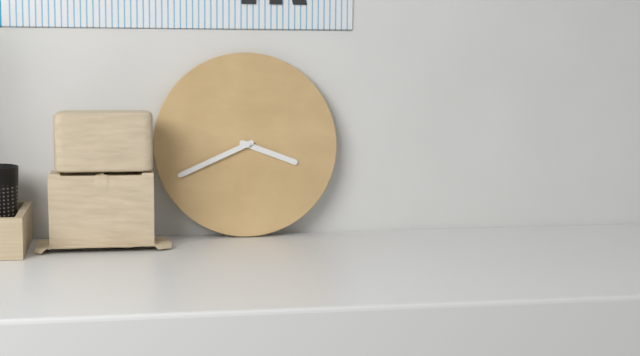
3h41
